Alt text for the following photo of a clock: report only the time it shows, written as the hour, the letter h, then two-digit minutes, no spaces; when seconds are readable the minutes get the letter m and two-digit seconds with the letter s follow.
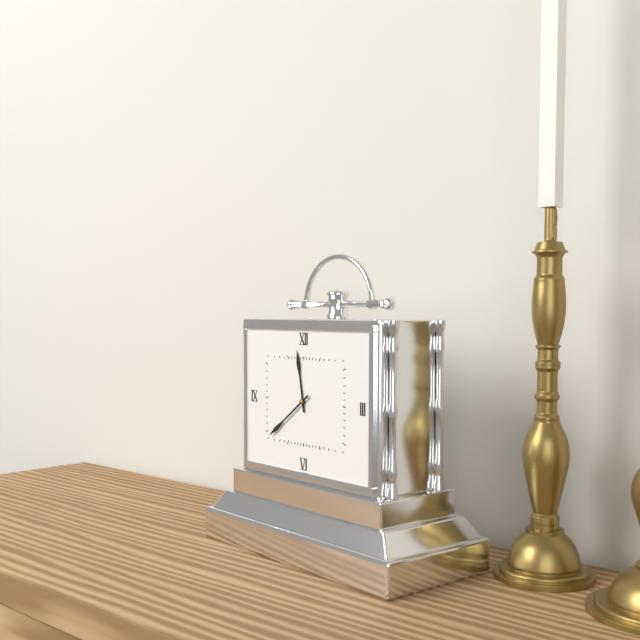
11h39
